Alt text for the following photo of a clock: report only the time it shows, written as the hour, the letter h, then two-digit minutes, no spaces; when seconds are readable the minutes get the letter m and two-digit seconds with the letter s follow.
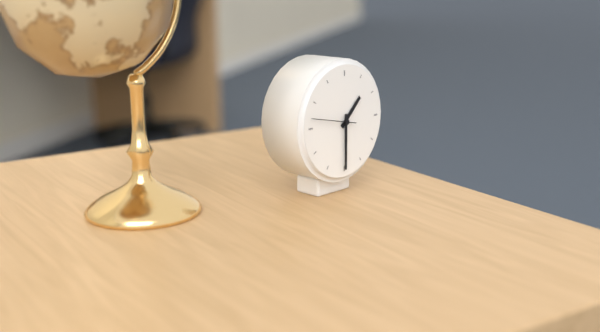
1h30
